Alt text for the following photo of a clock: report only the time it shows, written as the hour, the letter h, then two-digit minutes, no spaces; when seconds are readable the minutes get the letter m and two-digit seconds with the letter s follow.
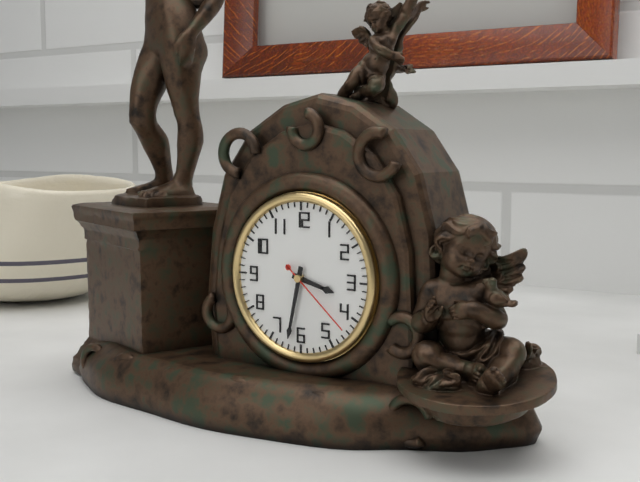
3h32m22s
